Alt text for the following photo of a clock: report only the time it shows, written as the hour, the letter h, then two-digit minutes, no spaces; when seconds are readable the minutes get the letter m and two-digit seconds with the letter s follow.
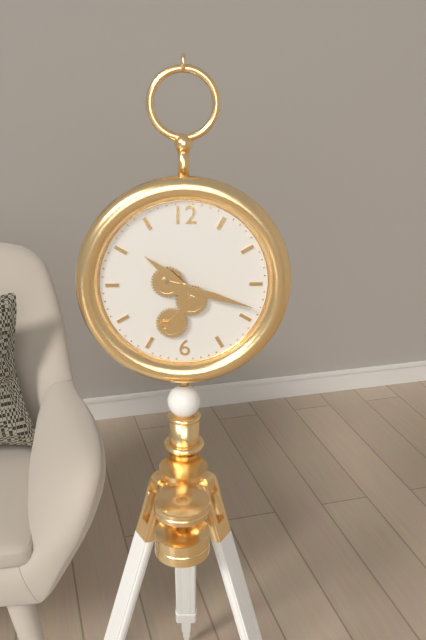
10h18
